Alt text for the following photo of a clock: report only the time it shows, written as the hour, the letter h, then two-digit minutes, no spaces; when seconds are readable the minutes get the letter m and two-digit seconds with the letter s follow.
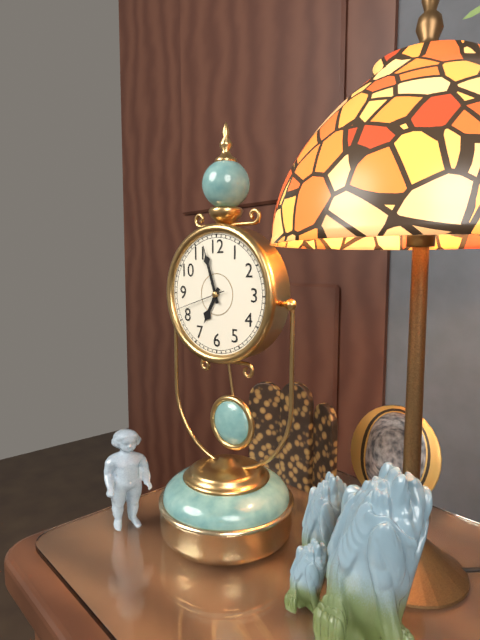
6h57m42s
